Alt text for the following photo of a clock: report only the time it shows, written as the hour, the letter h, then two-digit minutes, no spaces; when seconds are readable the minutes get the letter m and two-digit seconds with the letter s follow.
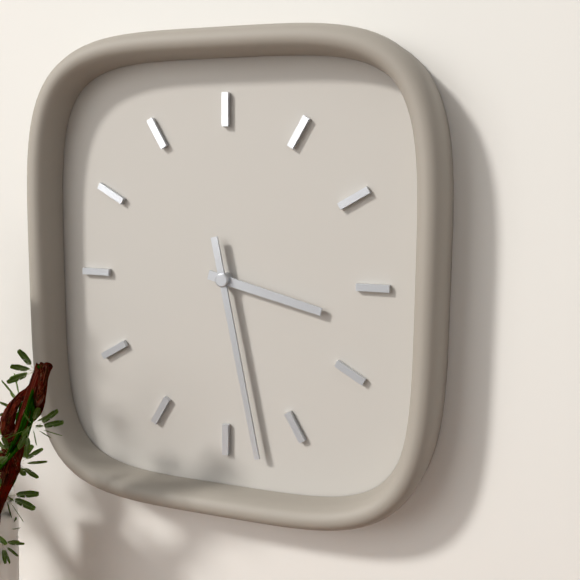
3h28
